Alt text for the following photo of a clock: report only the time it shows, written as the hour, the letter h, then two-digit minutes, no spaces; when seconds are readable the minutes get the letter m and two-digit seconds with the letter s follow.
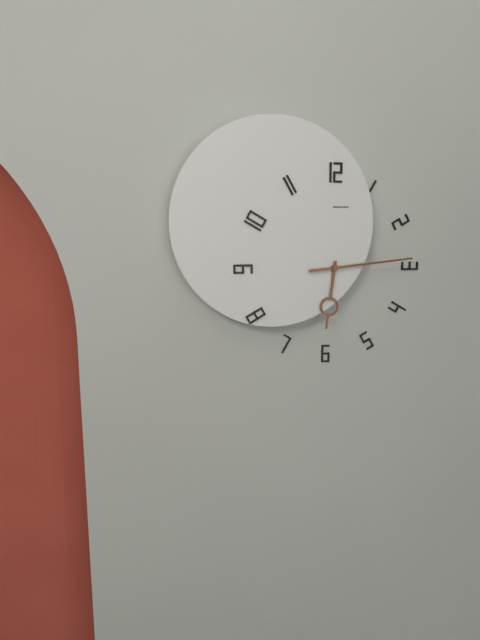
6h14
